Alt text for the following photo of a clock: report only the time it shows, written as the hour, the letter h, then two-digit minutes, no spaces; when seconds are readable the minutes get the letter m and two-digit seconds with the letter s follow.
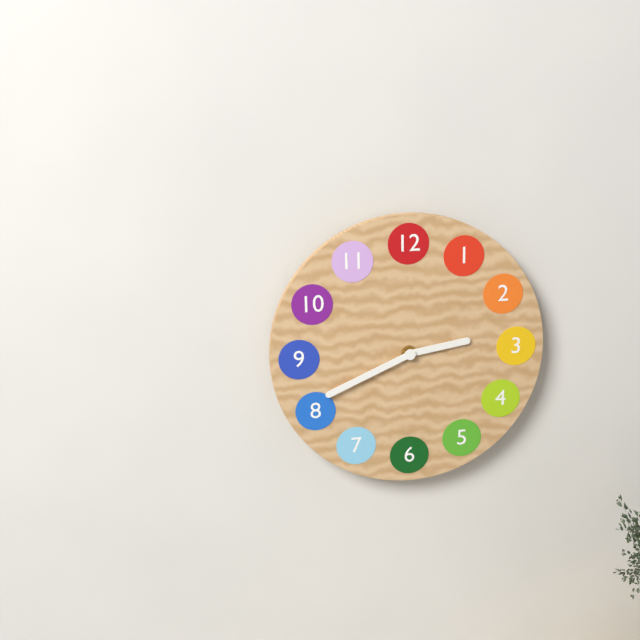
2h41
